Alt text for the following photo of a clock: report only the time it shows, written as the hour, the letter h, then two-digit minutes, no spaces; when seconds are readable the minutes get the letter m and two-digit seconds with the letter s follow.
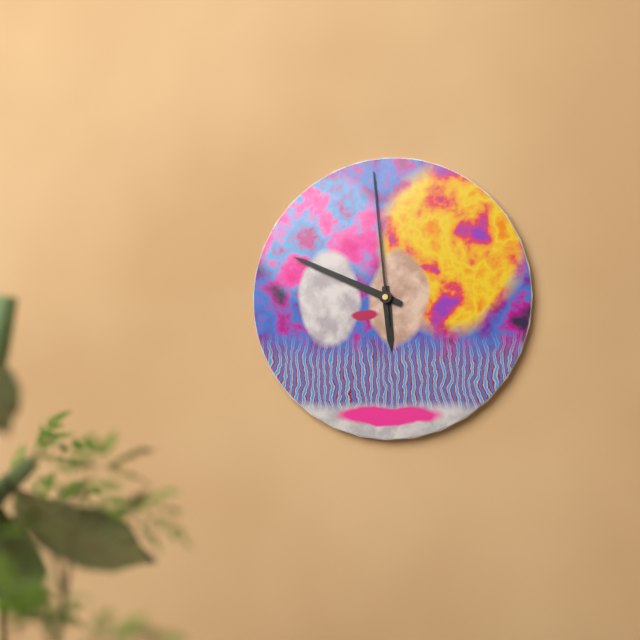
5h49m59s
